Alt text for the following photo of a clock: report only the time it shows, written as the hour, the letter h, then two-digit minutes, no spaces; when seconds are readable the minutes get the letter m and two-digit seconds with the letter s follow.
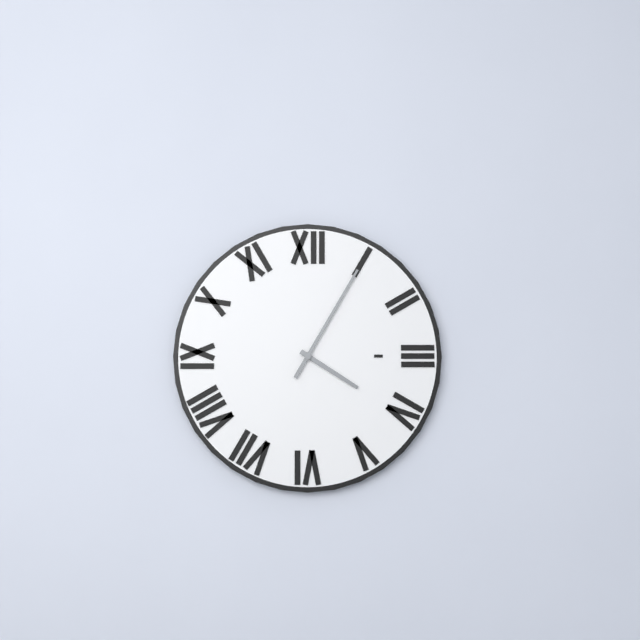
4h05
